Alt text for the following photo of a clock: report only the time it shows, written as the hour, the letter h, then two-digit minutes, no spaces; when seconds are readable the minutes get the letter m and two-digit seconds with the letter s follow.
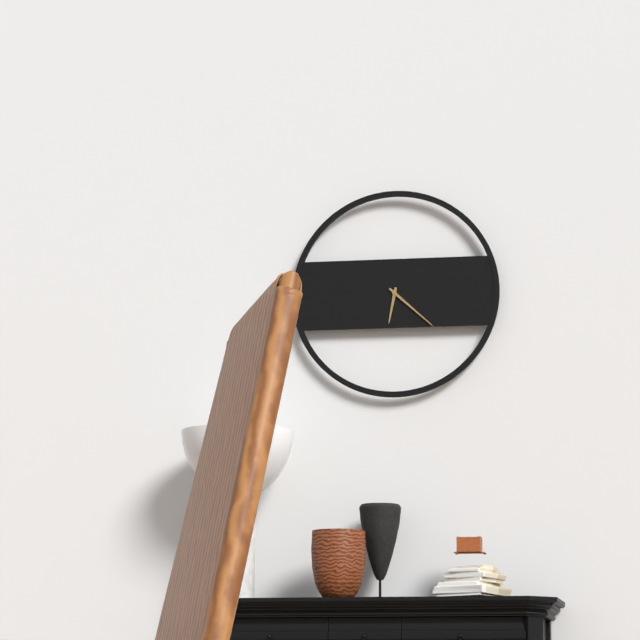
6h22
